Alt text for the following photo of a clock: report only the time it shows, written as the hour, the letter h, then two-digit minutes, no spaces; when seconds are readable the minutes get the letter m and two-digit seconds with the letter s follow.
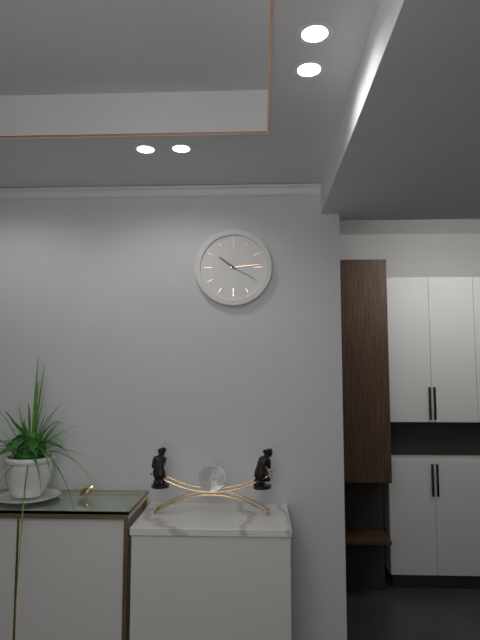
10h14
